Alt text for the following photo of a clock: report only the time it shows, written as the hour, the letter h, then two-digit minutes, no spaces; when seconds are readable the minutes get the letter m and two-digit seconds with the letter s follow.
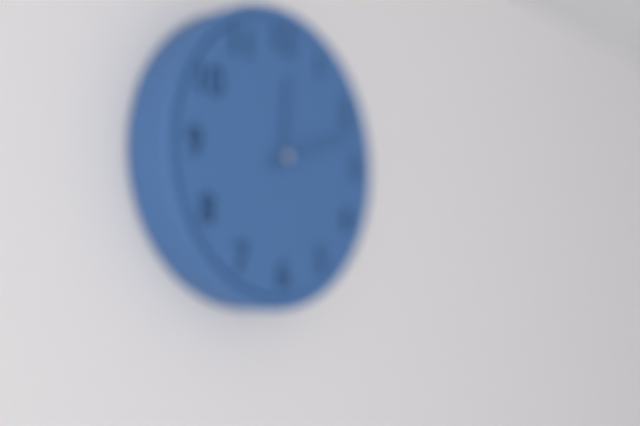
12h12
